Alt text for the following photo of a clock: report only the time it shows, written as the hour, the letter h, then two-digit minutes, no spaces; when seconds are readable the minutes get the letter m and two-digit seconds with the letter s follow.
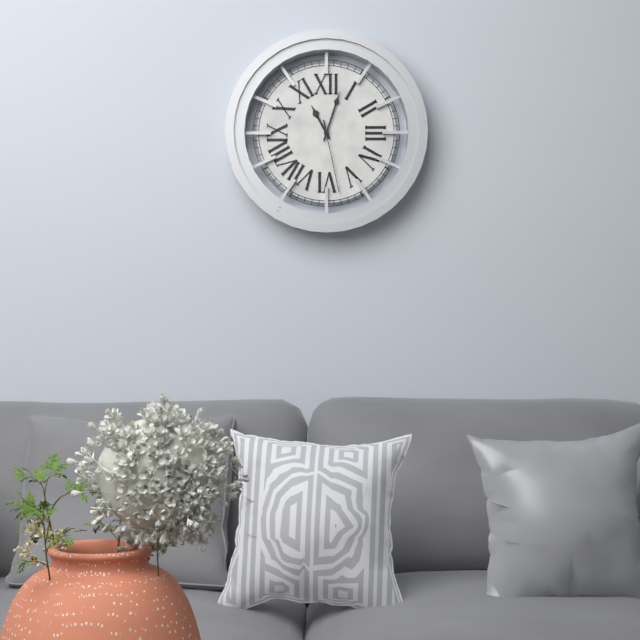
11h03m28s
